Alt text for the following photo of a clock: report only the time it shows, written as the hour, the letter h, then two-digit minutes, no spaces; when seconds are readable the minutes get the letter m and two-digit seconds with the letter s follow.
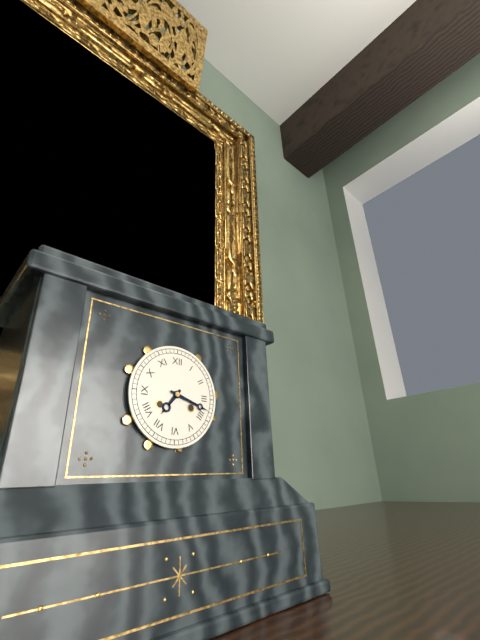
7h18
